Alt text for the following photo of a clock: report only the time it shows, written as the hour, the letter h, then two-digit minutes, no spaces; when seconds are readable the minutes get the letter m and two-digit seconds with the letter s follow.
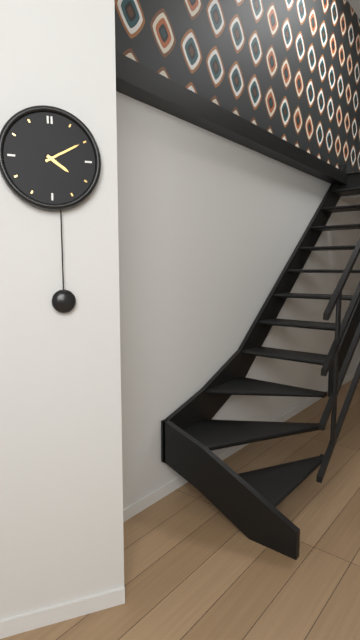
4h10
